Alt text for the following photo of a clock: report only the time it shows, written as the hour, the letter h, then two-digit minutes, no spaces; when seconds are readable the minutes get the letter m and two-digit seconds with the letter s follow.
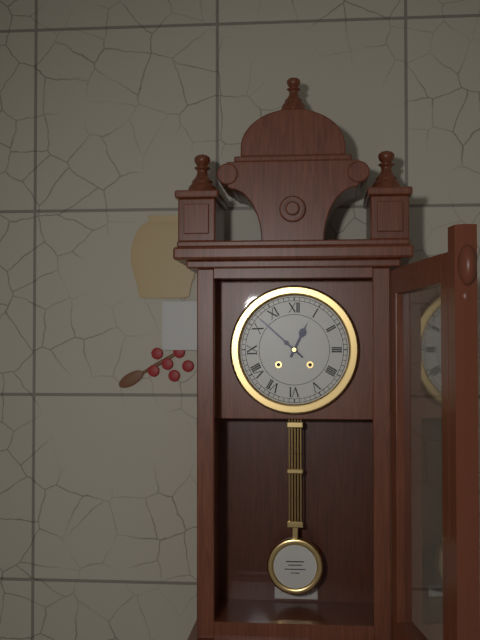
12h52
